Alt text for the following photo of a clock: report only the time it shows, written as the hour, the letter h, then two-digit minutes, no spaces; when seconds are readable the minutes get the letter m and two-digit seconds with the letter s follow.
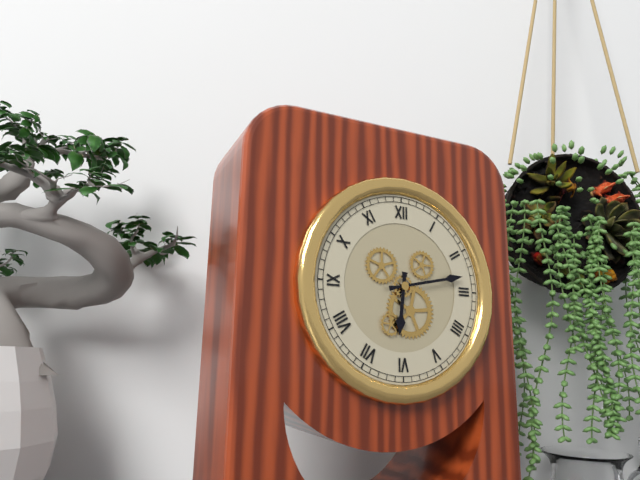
6h13
